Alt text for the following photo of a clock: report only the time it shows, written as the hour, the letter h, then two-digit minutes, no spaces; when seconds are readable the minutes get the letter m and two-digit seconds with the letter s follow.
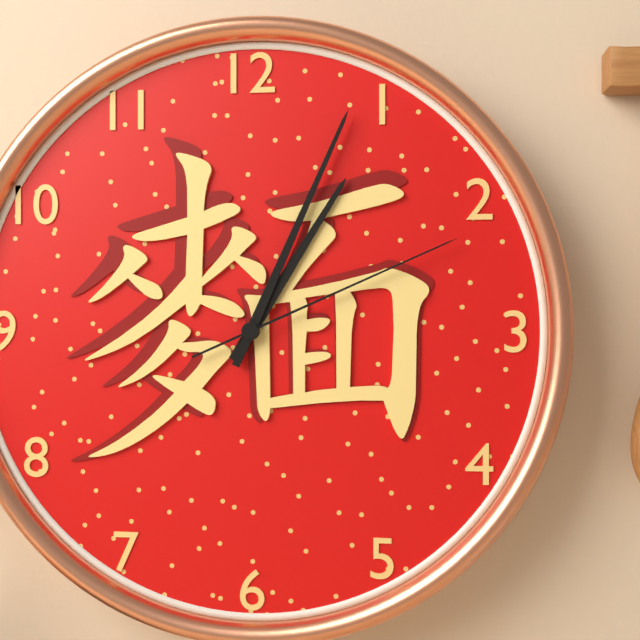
1h04m11s
